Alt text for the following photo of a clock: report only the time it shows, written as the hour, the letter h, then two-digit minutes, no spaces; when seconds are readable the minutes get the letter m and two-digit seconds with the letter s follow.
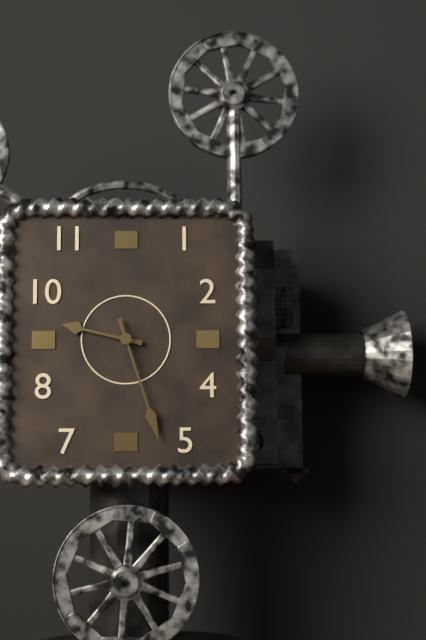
9h27
